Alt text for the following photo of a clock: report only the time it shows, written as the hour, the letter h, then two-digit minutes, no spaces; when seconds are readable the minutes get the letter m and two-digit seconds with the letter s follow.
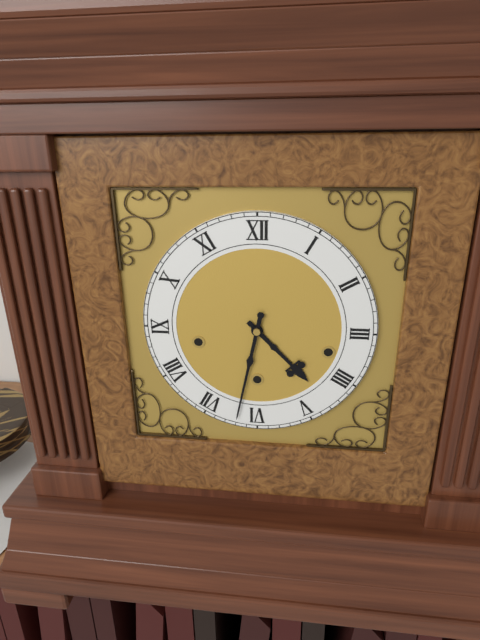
4h32
